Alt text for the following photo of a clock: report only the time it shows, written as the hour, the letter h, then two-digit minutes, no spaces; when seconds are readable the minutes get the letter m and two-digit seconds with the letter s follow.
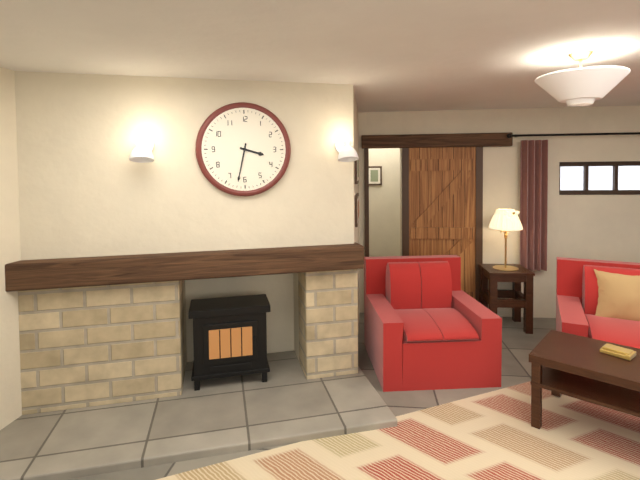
3h32
